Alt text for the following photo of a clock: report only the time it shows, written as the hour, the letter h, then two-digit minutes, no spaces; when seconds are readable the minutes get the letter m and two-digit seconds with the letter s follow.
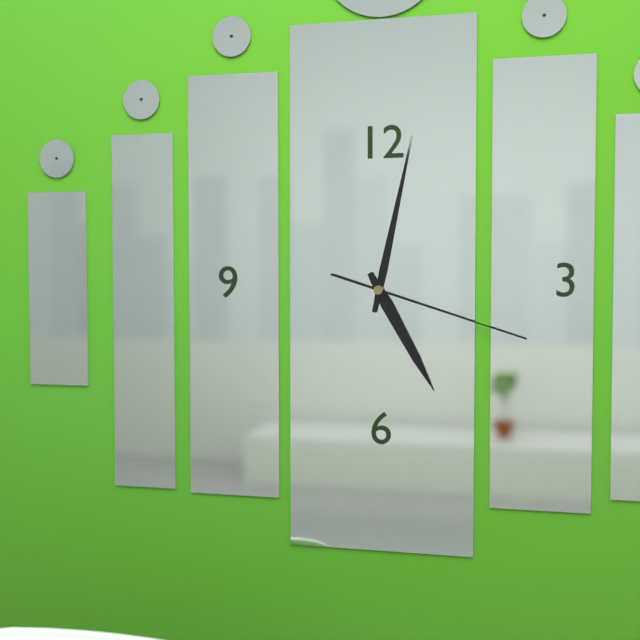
5h02m18s
